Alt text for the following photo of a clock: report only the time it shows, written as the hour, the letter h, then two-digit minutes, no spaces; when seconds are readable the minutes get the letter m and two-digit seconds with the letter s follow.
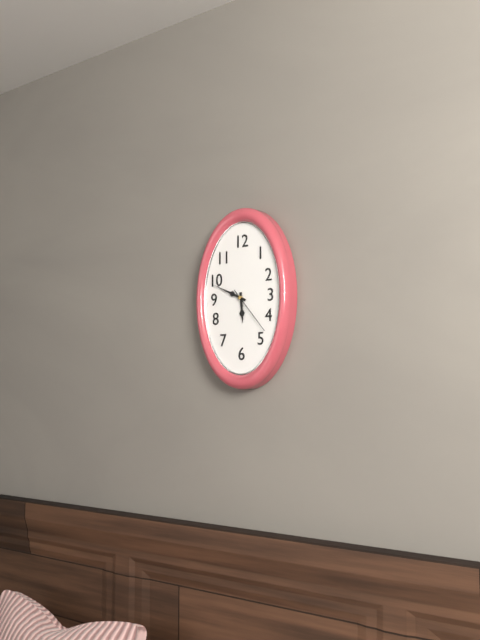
5h49m23s
